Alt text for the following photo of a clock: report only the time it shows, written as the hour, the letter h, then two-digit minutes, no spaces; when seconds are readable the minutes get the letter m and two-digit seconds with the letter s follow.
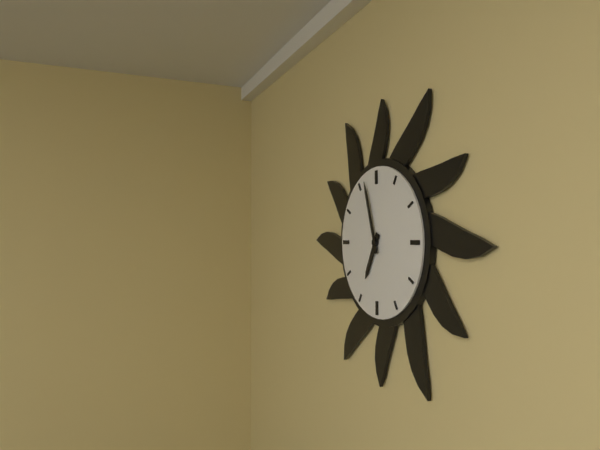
6h57
